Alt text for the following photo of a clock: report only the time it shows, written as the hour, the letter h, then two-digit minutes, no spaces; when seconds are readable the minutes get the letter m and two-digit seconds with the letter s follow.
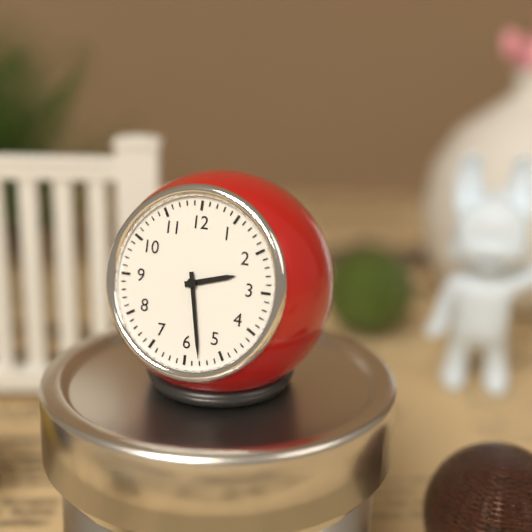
2h28
